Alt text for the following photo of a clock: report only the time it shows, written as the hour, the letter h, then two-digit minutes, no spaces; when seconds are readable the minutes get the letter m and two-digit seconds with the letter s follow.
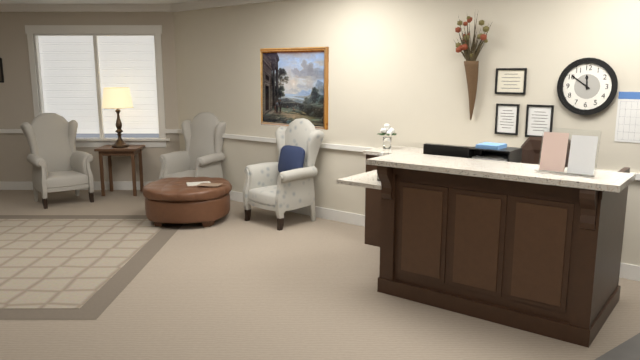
11h51
